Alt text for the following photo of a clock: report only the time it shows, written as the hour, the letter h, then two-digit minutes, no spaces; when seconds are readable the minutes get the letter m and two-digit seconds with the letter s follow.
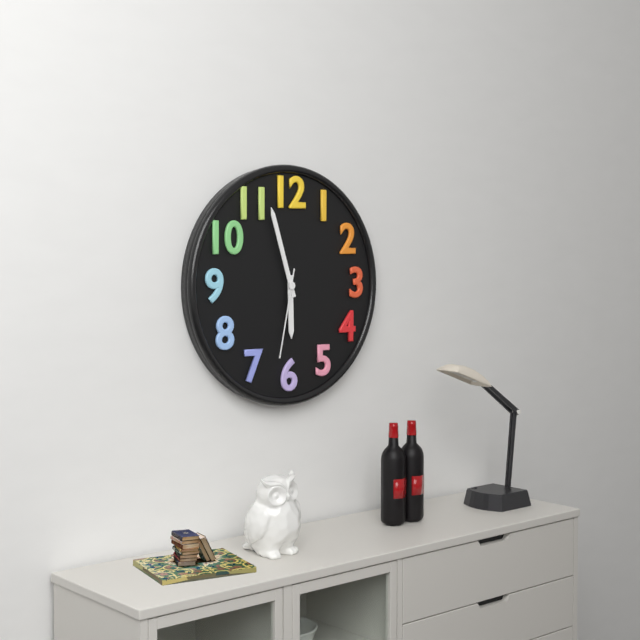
5h57m32s
